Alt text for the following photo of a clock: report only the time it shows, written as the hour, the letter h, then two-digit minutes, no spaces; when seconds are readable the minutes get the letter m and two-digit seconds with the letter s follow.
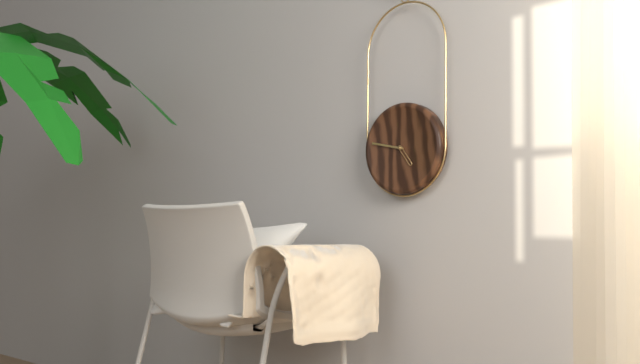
4h47
